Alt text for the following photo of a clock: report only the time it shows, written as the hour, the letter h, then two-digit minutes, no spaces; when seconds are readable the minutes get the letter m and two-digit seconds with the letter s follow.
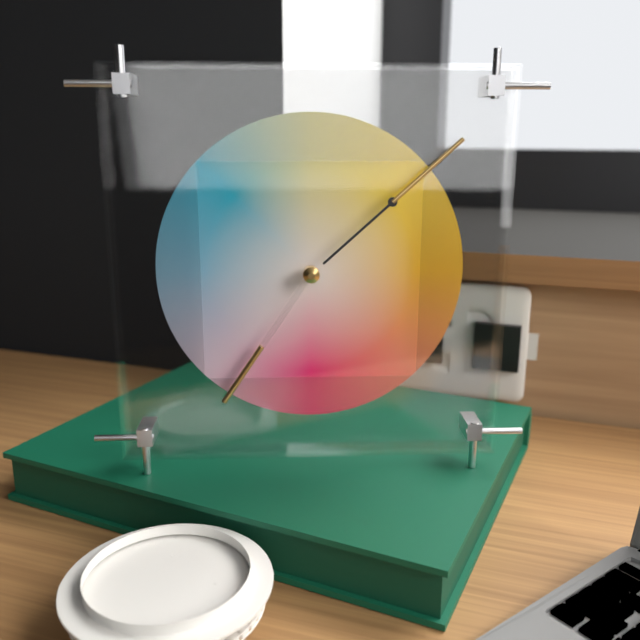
7h08
